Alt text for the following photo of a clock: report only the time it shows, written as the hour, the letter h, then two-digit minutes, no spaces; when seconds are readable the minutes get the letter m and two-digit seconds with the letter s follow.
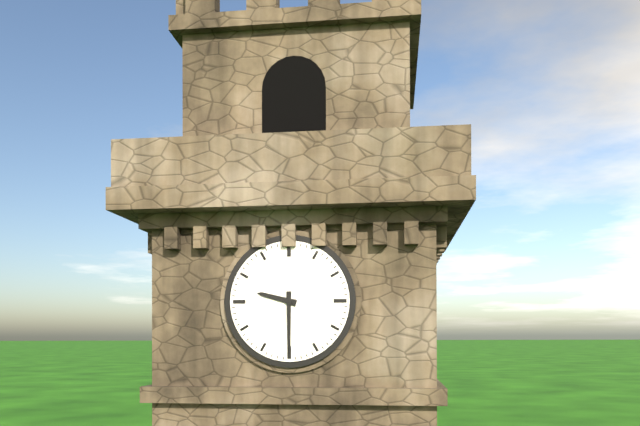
9h30
